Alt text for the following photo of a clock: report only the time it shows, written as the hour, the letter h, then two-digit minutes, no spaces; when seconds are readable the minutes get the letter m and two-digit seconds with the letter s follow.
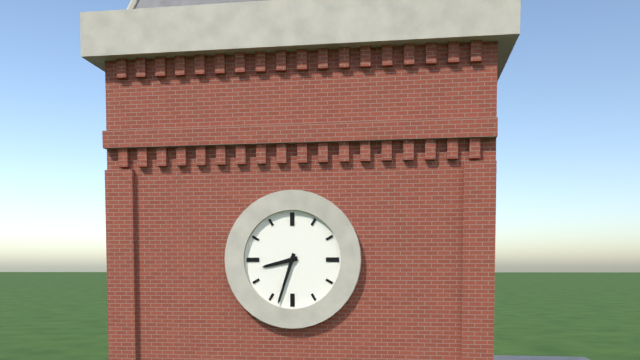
8h33
